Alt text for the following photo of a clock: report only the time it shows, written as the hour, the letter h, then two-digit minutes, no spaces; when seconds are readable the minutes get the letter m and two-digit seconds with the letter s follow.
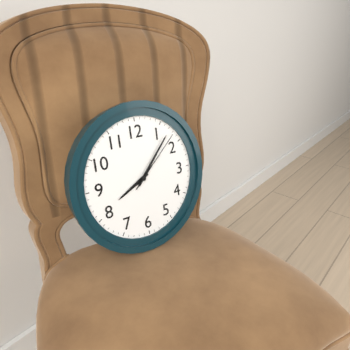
8h07m08s
